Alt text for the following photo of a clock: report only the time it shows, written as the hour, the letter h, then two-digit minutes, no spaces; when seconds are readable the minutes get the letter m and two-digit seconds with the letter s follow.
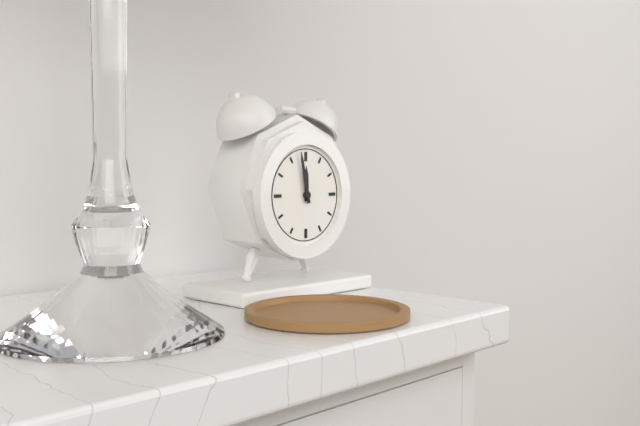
11h58
